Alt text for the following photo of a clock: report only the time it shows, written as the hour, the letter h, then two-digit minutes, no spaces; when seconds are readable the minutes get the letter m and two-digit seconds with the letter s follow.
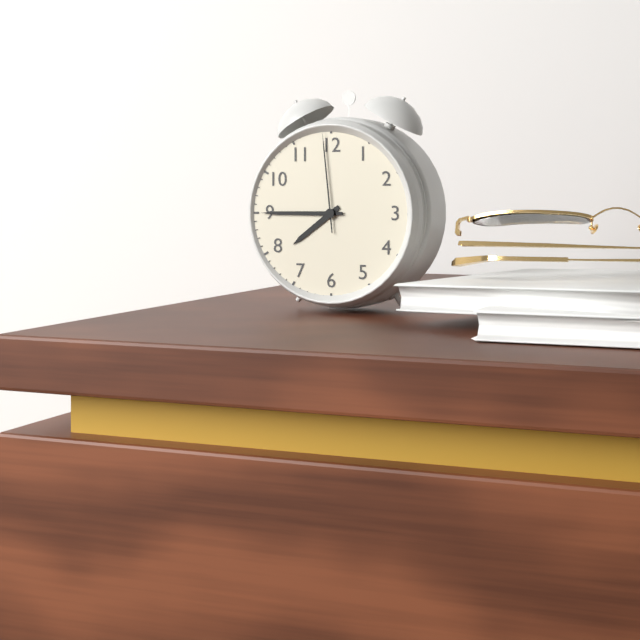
7h45m59s
